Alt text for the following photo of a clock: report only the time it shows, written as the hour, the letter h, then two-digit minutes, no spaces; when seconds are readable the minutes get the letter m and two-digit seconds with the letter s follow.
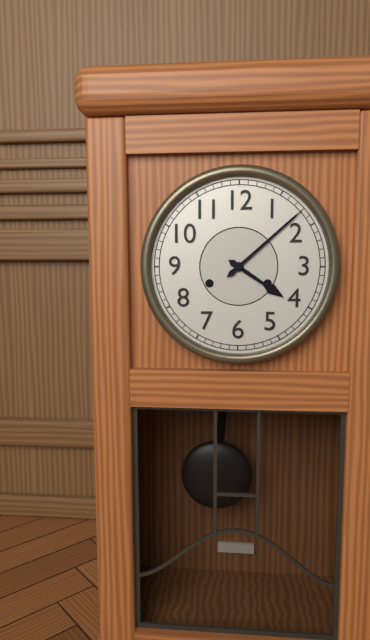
4h08
